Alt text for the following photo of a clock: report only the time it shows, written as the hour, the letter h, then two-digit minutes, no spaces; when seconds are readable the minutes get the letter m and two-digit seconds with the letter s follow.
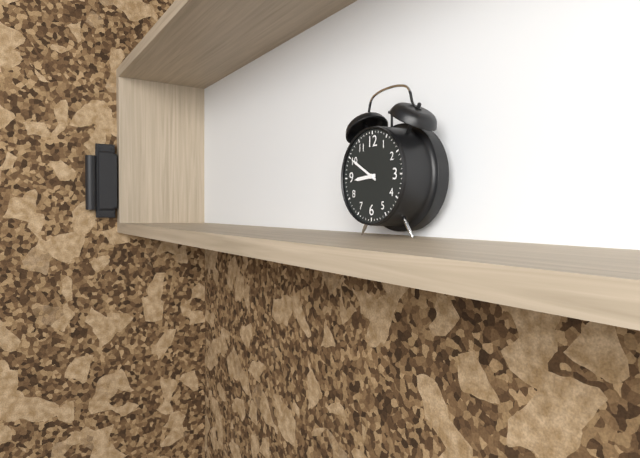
8h50
